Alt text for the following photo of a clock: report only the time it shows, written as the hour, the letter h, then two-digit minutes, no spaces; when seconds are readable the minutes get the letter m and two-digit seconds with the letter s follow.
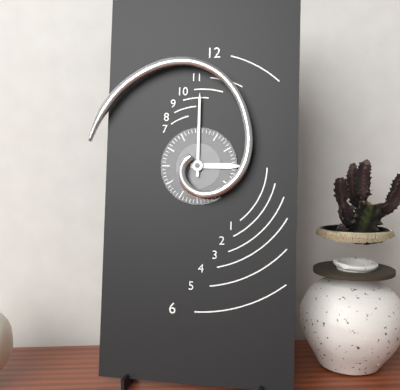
3h00
